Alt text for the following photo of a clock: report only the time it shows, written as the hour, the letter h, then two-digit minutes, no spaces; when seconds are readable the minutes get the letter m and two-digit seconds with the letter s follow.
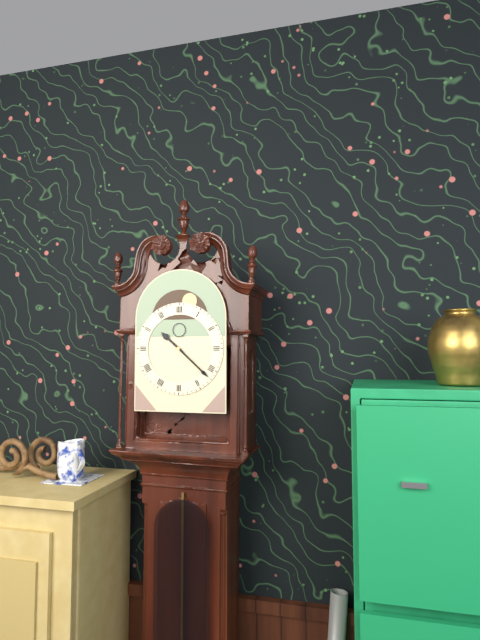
10h22
